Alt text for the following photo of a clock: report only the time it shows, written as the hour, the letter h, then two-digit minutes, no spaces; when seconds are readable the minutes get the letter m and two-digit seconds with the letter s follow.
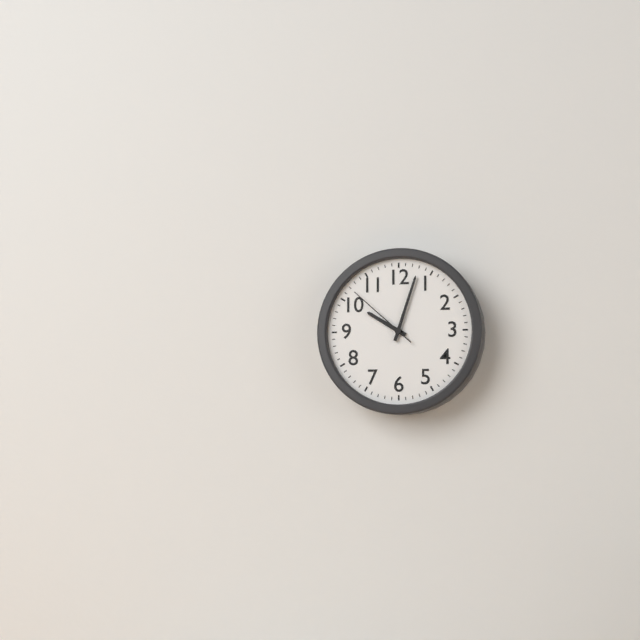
10h03m52s
